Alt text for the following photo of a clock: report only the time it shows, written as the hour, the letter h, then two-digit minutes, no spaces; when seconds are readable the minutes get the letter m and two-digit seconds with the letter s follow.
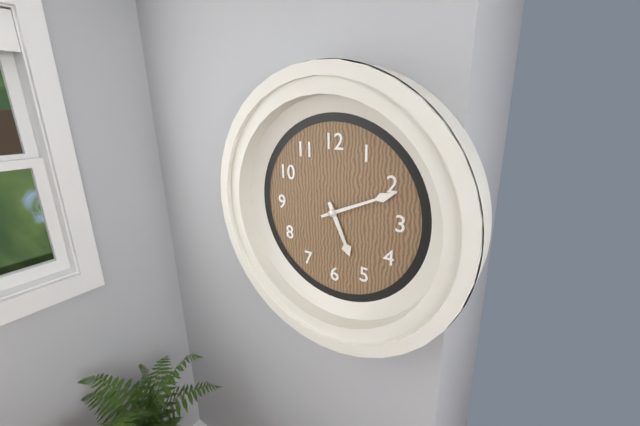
5h11
